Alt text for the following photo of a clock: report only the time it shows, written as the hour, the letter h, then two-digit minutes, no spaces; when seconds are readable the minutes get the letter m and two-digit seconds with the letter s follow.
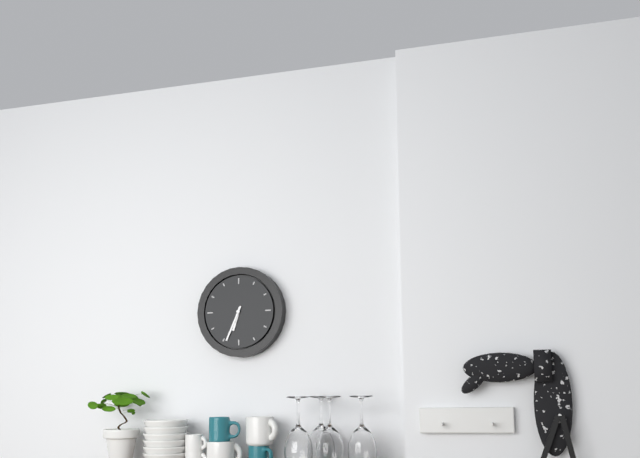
6h34
